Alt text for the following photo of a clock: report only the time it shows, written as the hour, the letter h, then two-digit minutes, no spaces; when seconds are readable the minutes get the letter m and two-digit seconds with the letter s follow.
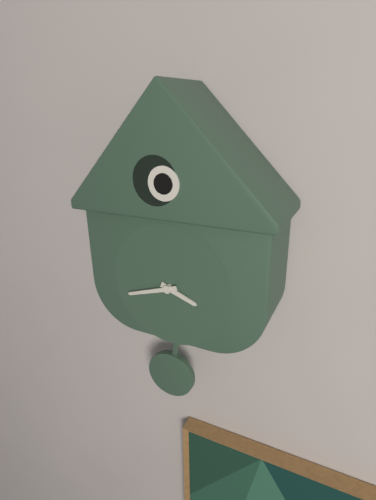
3h42
